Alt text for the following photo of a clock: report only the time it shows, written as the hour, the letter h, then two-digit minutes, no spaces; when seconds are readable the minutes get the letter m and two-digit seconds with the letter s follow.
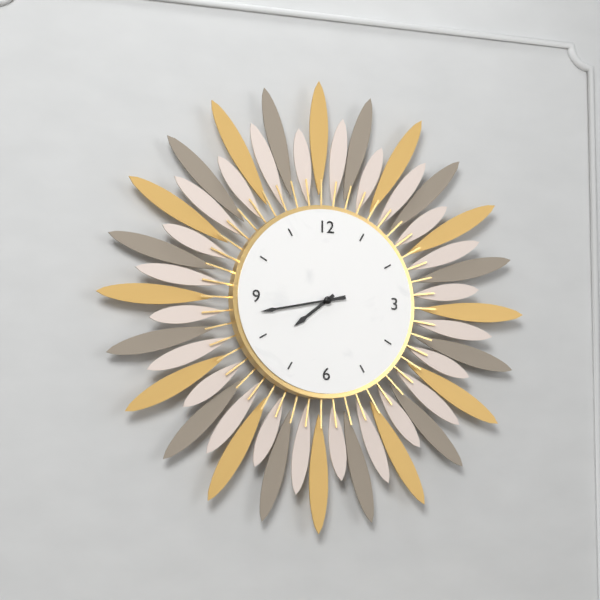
7h43
